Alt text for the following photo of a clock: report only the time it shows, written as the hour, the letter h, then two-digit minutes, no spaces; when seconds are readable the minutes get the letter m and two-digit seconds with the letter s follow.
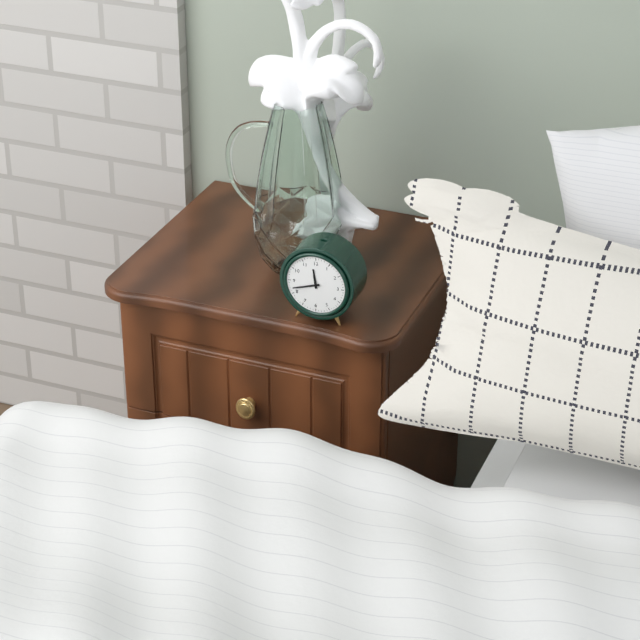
11h42
